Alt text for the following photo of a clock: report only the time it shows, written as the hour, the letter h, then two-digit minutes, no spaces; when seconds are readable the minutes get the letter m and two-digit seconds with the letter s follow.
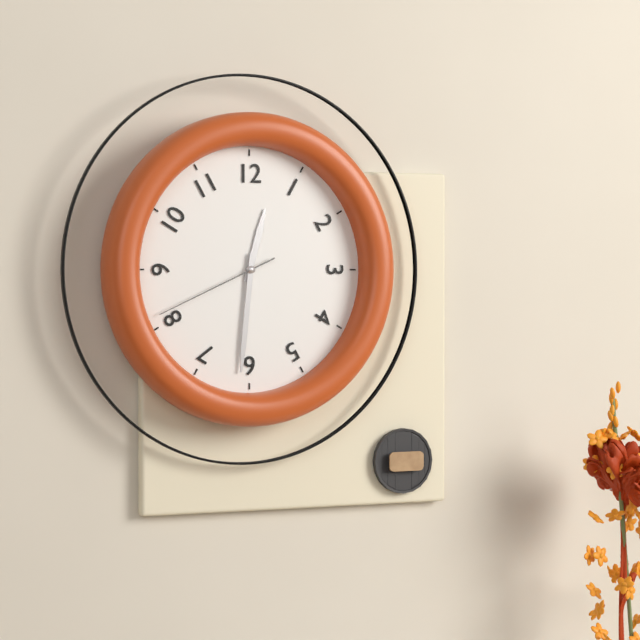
12h31m41s
